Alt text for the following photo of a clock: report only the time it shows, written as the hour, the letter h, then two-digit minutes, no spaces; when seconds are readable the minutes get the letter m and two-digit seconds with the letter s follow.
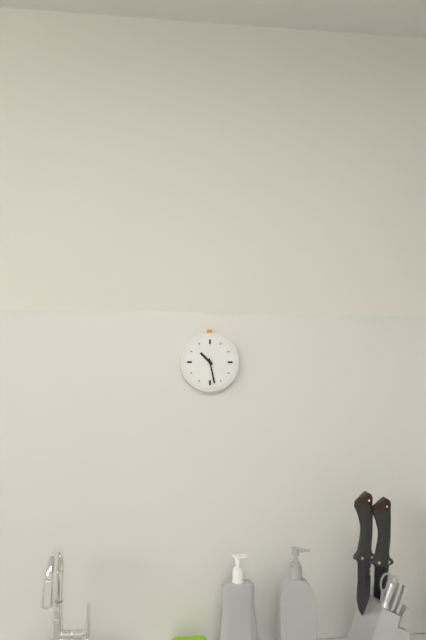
10h28
